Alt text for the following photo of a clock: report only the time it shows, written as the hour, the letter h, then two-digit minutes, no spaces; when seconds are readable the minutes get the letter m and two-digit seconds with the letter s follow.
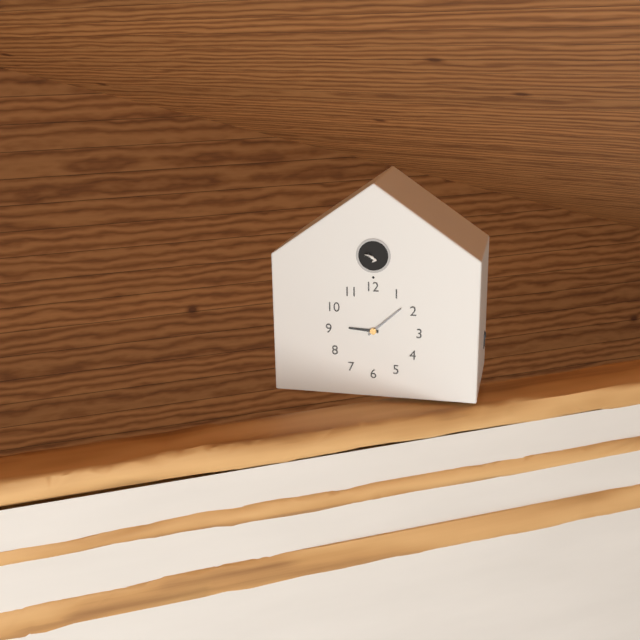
9h08
